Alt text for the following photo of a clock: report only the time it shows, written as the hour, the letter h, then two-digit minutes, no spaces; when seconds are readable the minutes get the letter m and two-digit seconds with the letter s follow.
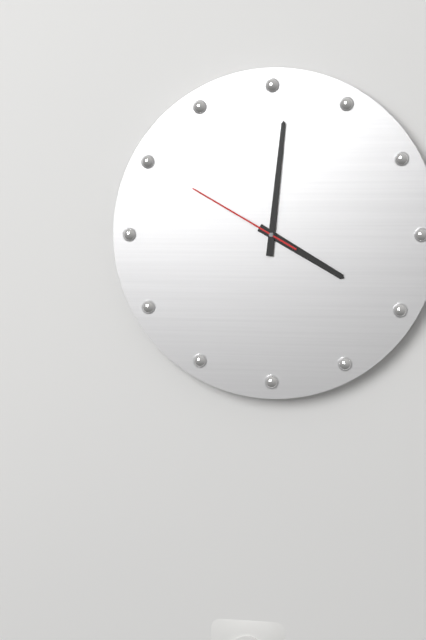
4h01m50s
